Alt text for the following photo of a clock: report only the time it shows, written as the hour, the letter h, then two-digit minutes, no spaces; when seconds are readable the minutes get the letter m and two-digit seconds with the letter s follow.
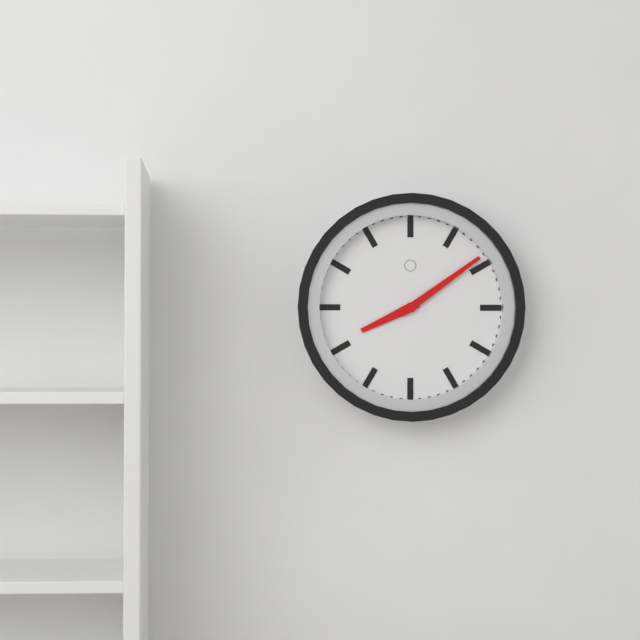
8h09
